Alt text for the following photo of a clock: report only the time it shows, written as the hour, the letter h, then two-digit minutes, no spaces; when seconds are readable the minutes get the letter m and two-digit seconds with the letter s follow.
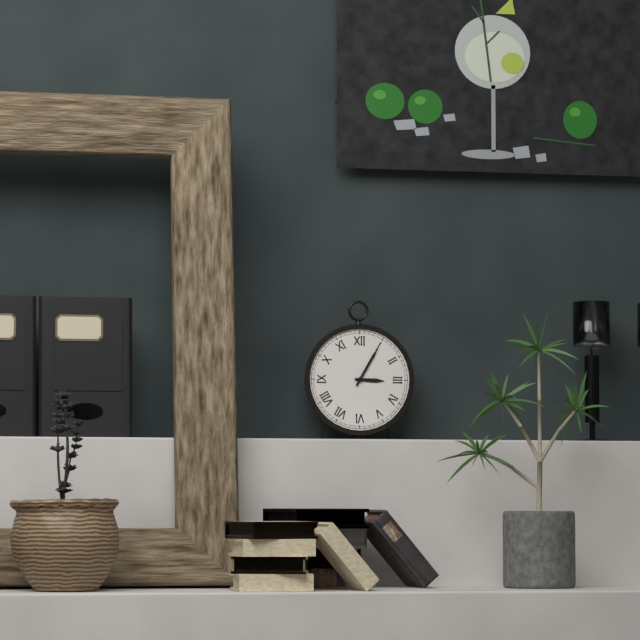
3h05
